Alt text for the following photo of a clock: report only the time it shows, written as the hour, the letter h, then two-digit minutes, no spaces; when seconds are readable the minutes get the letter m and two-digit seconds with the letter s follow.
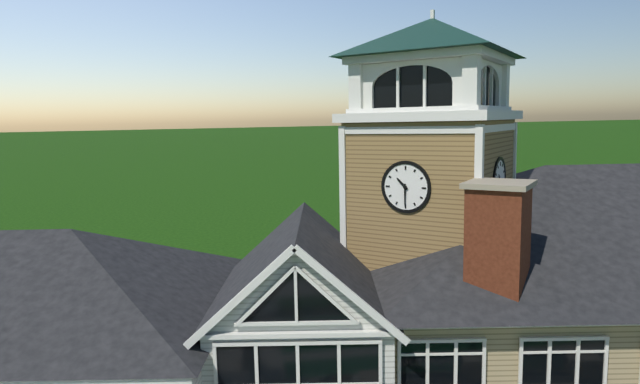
10h30
